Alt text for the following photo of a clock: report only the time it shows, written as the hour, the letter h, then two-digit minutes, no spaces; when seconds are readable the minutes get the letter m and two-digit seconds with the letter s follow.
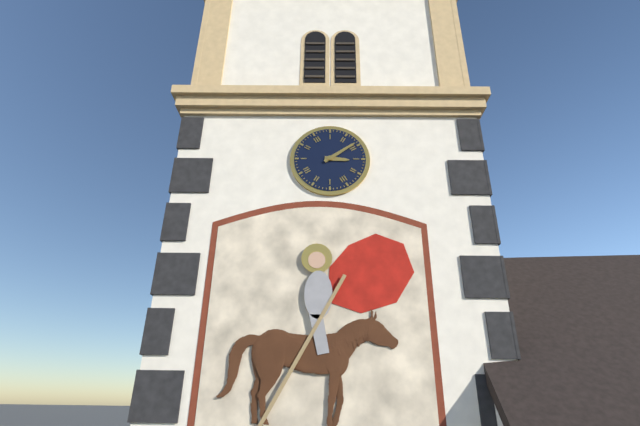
3h09
